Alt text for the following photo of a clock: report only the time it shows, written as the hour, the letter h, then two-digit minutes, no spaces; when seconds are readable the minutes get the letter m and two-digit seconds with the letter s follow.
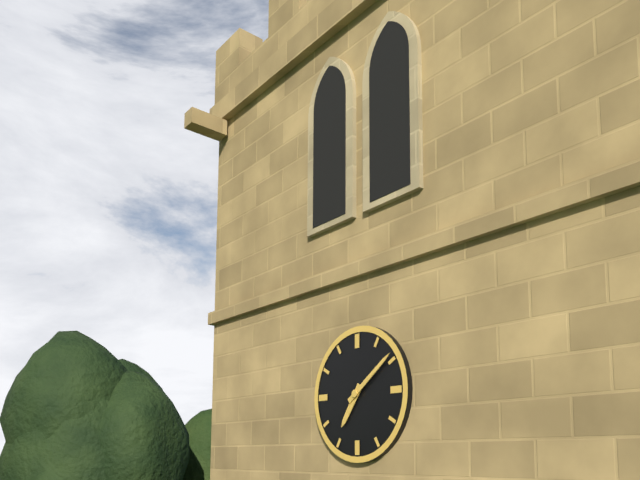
7h09
